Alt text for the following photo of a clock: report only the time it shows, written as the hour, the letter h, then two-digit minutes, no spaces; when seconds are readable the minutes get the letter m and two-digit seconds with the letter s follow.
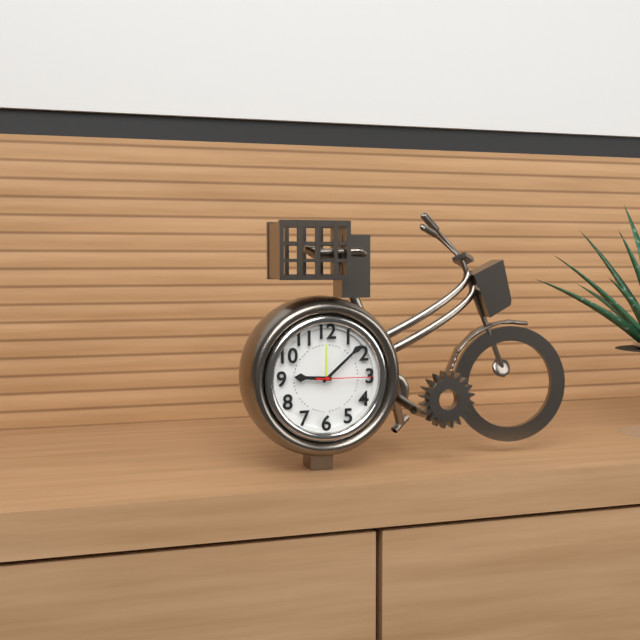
9h08m15s
